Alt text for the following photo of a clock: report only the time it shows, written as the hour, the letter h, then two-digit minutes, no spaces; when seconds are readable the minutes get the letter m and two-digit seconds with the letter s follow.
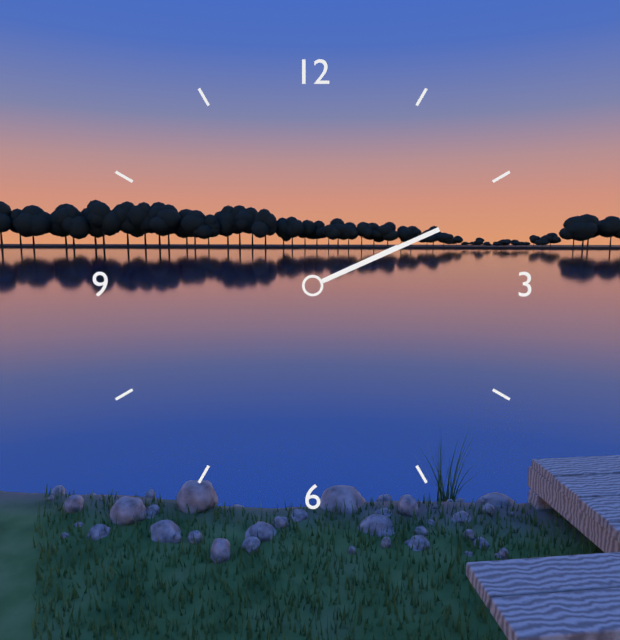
2h11
